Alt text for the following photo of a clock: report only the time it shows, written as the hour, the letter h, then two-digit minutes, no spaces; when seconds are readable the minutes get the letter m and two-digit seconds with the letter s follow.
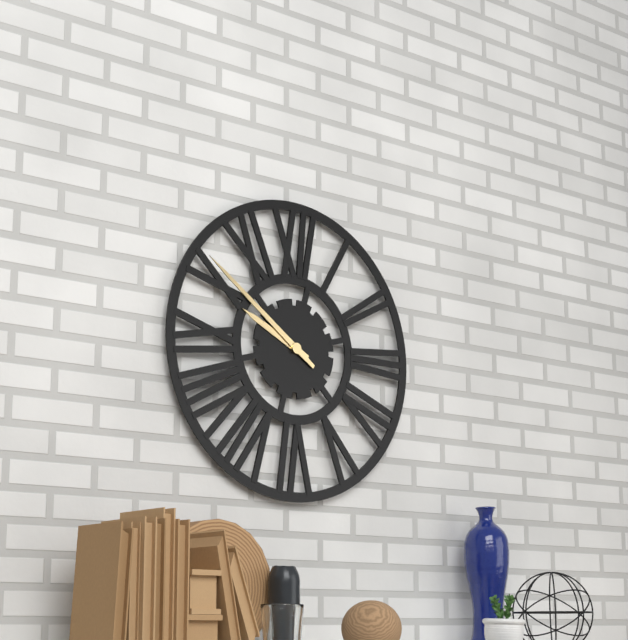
9h51
